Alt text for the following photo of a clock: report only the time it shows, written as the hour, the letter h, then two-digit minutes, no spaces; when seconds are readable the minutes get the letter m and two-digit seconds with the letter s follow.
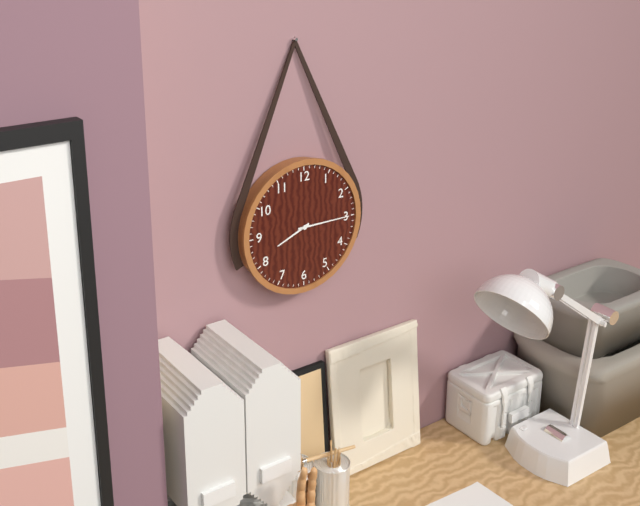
8h15
